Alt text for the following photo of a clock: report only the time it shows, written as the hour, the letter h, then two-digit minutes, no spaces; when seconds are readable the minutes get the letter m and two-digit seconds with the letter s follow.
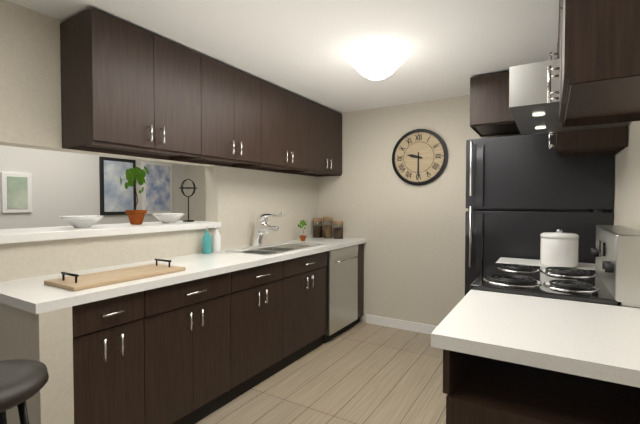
9h30
